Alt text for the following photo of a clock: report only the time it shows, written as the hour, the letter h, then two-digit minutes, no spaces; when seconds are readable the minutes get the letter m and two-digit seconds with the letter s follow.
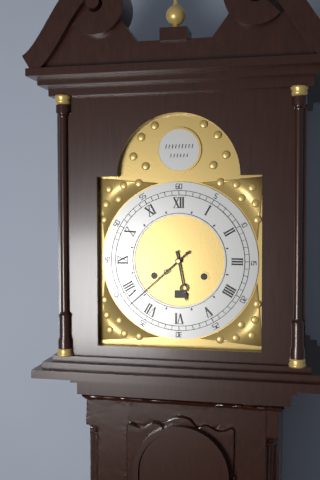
5h38
